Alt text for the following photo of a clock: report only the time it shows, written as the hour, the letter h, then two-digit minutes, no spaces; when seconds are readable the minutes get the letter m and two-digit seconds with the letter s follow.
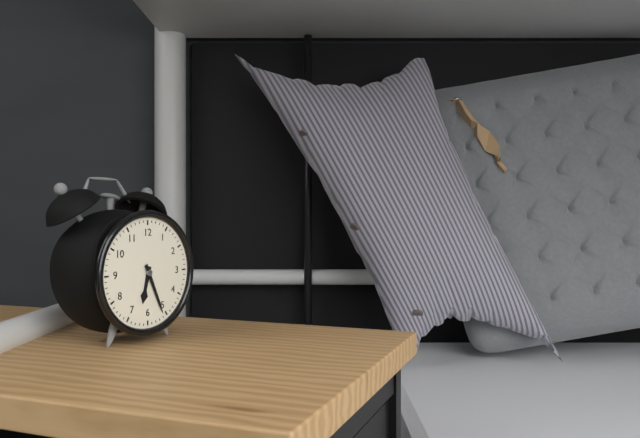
6h26
